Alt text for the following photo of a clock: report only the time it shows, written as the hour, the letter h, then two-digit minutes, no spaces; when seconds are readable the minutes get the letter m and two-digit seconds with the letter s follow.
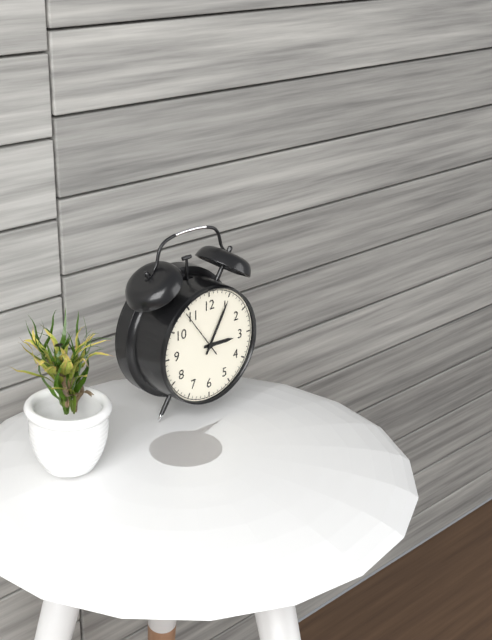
3h05m54s
